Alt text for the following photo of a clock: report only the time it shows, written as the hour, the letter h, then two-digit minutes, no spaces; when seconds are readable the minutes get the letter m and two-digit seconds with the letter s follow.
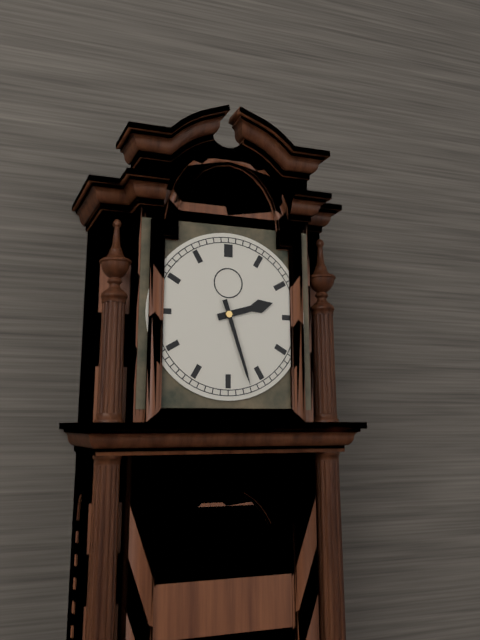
2h27
